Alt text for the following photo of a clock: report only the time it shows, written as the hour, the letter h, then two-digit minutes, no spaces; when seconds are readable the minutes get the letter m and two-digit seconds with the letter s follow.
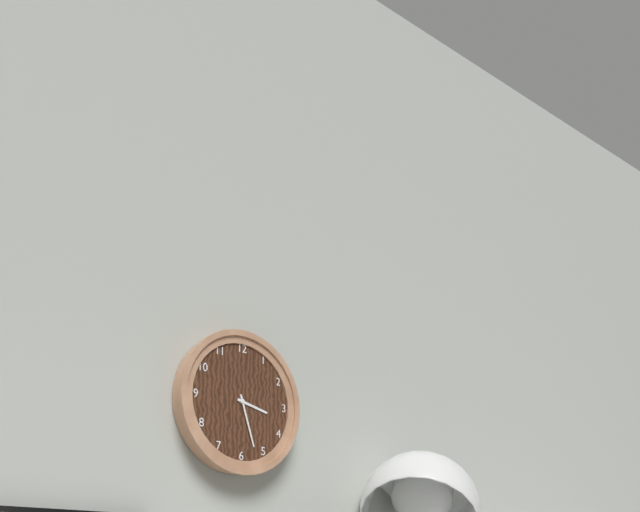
3h27
